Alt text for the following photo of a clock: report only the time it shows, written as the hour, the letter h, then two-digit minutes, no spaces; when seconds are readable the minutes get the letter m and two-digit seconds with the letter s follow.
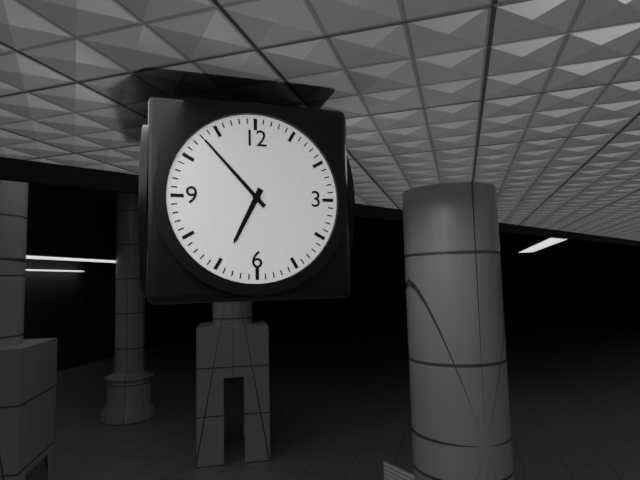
6h53
